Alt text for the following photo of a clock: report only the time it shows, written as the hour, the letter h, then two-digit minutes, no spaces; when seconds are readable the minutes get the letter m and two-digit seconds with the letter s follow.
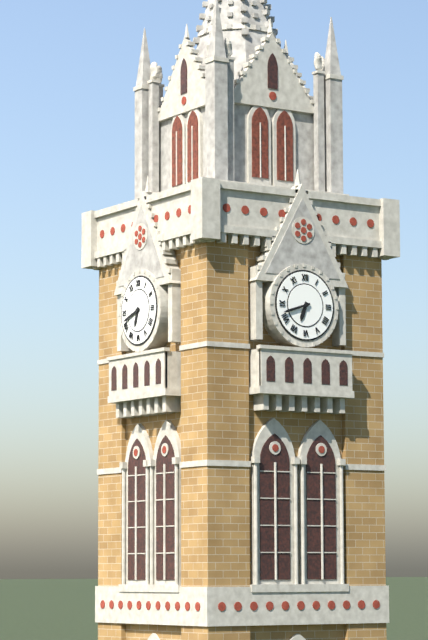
6h42
